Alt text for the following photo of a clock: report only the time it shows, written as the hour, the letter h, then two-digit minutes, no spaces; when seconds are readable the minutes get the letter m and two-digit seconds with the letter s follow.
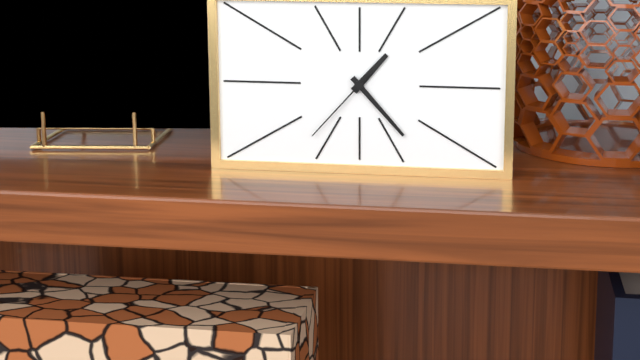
1h23m37s
